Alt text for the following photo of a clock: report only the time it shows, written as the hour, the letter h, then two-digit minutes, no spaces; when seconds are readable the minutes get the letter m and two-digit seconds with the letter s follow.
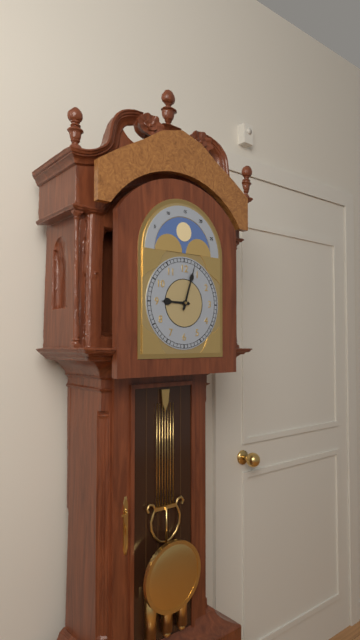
9h03
